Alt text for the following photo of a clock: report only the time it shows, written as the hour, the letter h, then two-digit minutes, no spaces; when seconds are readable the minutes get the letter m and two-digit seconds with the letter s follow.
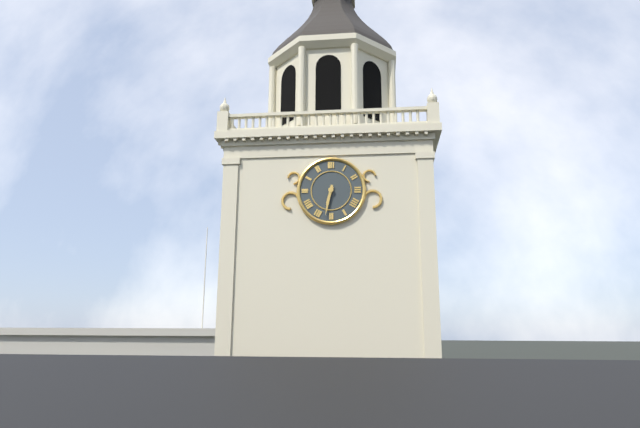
6h32
